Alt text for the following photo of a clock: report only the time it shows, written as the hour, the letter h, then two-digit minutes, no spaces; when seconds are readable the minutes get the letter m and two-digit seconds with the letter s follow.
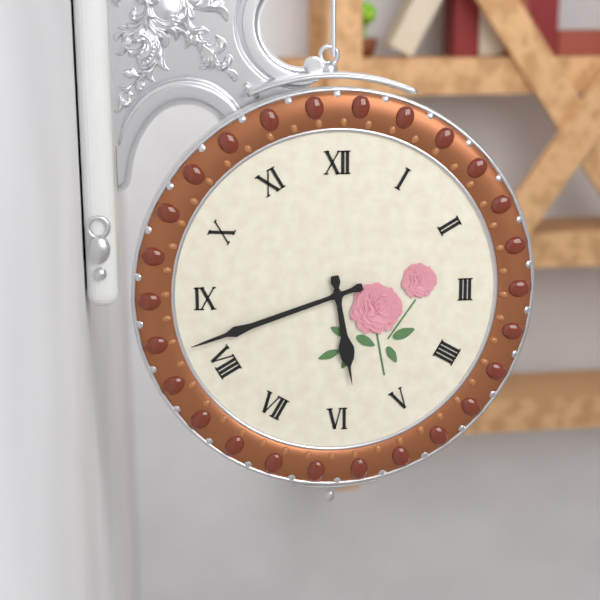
5h42
